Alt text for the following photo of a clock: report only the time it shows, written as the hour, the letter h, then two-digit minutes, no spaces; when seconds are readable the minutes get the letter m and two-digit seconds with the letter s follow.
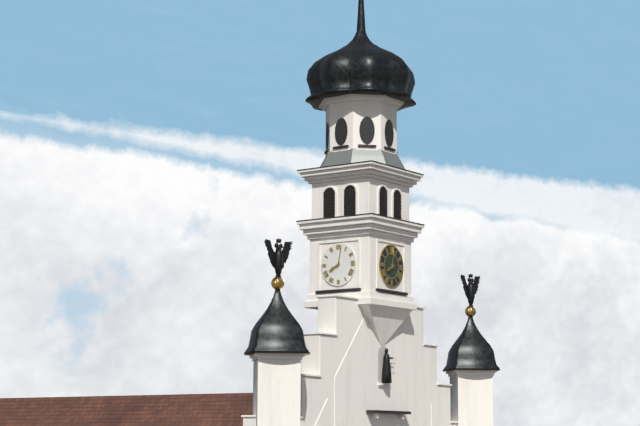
8h02
